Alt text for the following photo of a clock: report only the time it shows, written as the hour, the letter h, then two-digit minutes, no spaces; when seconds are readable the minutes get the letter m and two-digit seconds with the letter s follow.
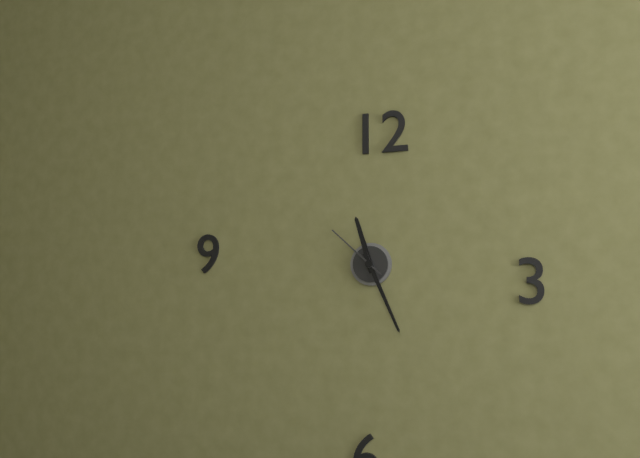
11h26m52s
